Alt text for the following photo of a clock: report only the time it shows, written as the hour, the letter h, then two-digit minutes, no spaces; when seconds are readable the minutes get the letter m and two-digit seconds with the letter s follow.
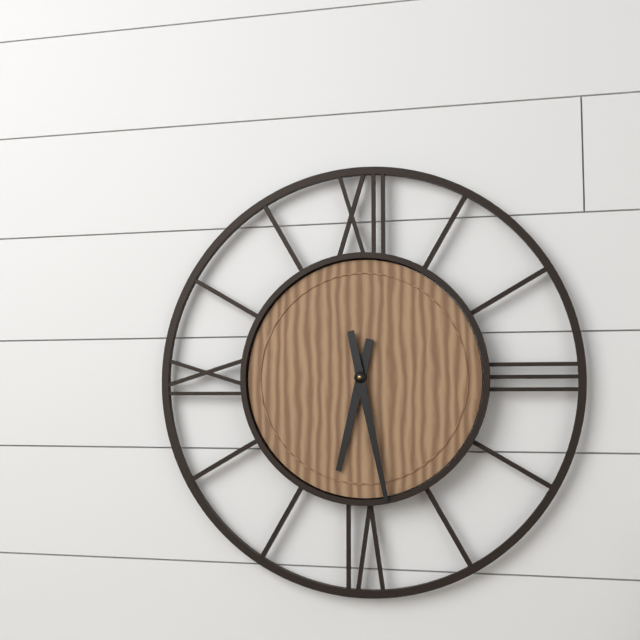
6h28
